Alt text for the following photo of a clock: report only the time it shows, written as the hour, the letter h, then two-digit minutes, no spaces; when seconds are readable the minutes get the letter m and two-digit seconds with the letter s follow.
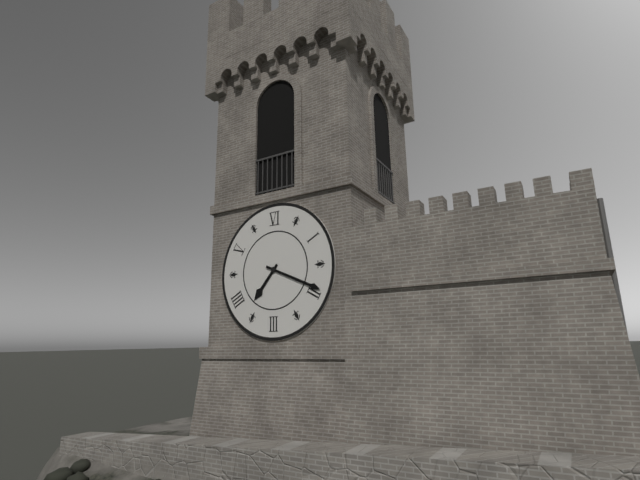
7h19
